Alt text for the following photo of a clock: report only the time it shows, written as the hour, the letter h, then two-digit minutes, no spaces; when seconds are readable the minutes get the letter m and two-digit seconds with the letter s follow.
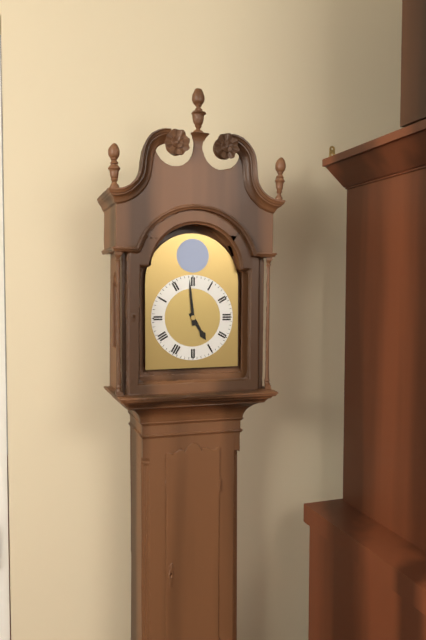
4h59
